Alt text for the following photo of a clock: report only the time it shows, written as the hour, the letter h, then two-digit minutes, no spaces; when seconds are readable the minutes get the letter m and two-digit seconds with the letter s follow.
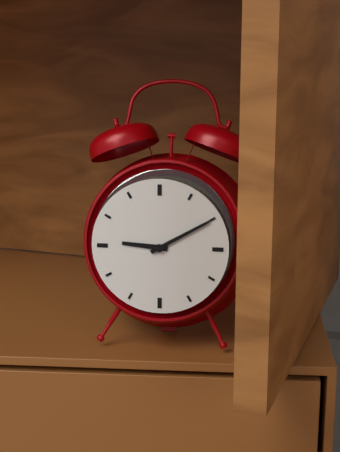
9h10
